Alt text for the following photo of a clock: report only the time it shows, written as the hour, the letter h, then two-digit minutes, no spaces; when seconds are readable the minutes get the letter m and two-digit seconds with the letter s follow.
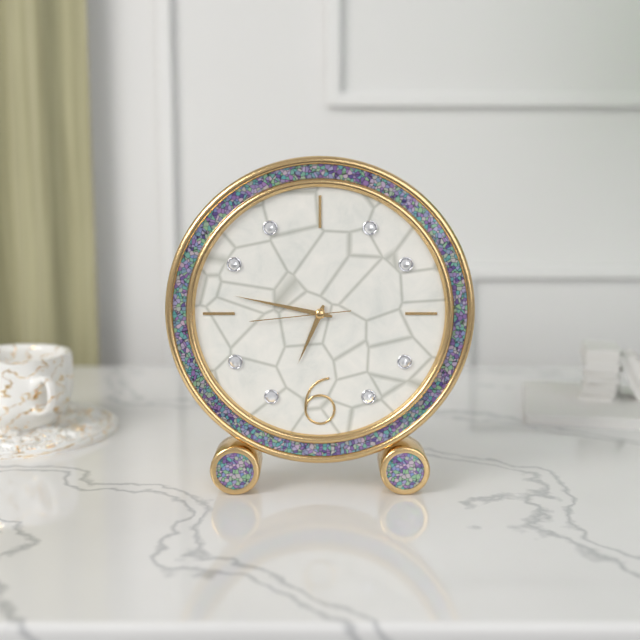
6h47m44s
